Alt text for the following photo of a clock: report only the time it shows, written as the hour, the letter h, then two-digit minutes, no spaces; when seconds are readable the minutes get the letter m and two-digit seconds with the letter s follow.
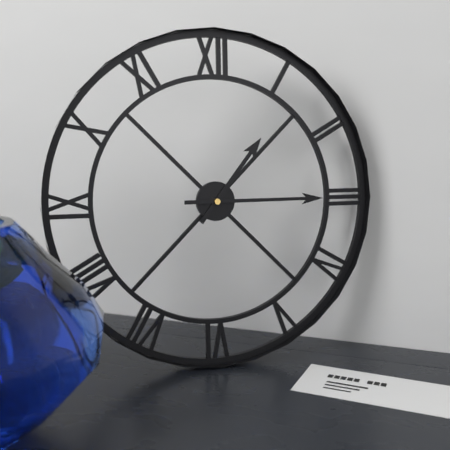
1h15
